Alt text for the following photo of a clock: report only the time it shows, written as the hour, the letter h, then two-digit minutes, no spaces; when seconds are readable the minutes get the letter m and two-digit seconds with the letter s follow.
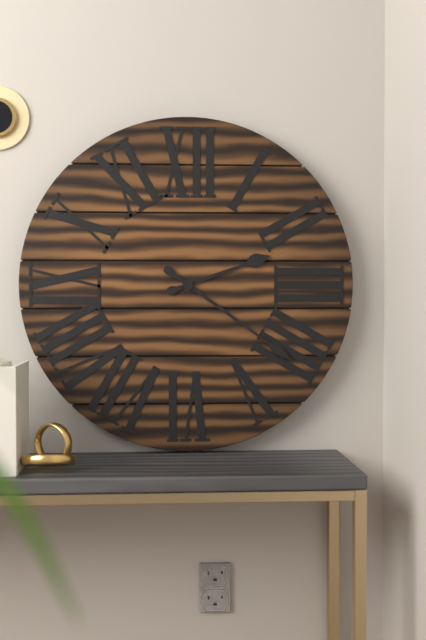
2h21
